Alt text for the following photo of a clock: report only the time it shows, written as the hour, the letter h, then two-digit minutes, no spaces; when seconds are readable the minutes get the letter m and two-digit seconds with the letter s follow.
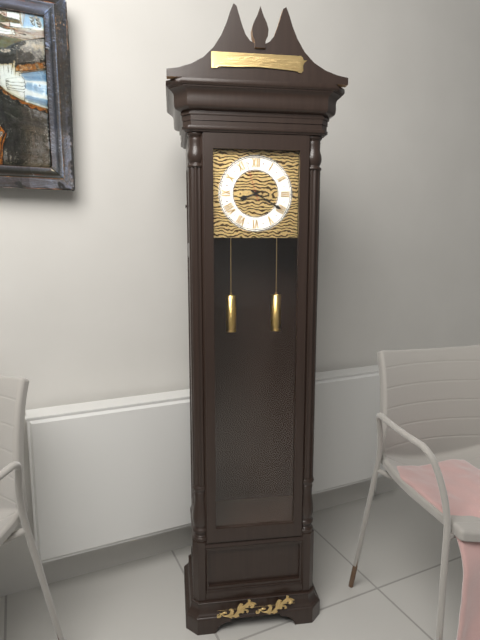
8h20
